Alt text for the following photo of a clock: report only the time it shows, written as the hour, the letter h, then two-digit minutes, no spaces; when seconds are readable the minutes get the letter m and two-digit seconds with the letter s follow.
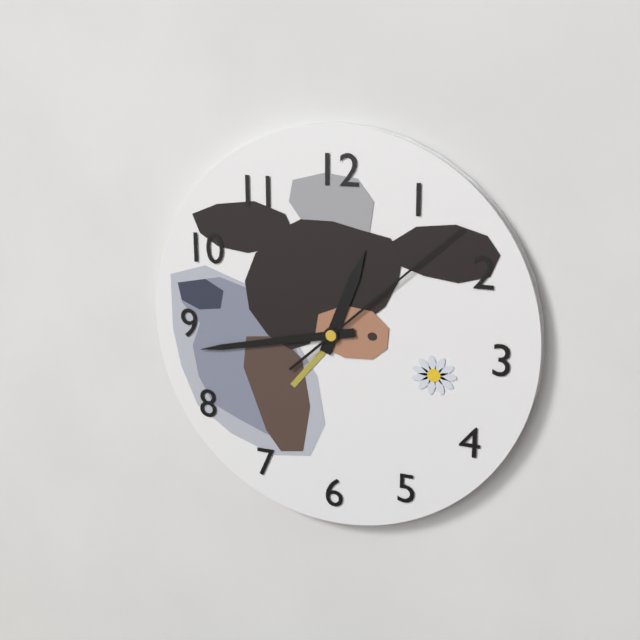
12h43m08s
